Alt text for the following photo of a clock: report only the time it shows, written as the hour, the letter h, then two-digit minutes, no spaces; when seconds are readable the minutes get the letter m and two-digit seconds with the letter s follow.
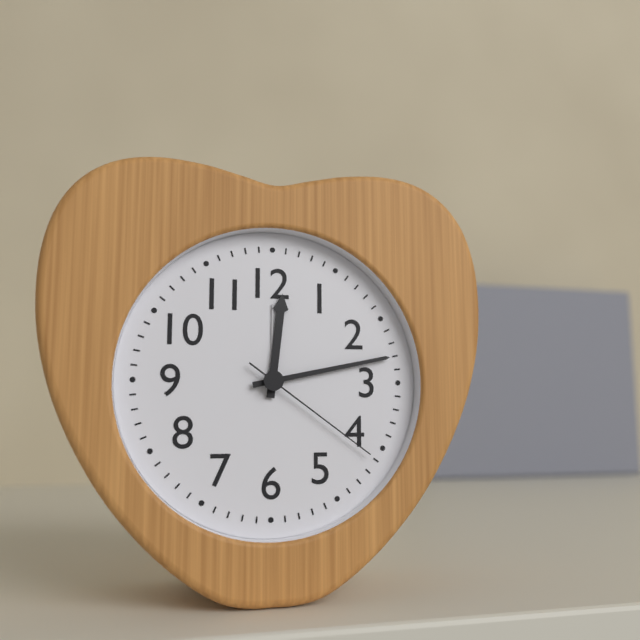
12h13m21s
